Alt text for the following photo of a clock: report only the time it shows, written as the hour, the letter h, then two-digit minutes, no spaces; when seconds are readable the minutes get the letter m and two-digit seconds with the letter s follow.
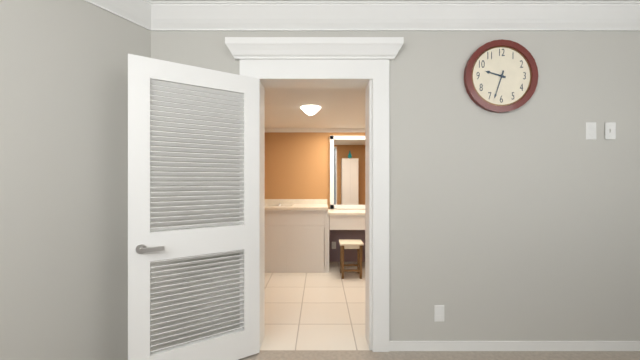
9h33
